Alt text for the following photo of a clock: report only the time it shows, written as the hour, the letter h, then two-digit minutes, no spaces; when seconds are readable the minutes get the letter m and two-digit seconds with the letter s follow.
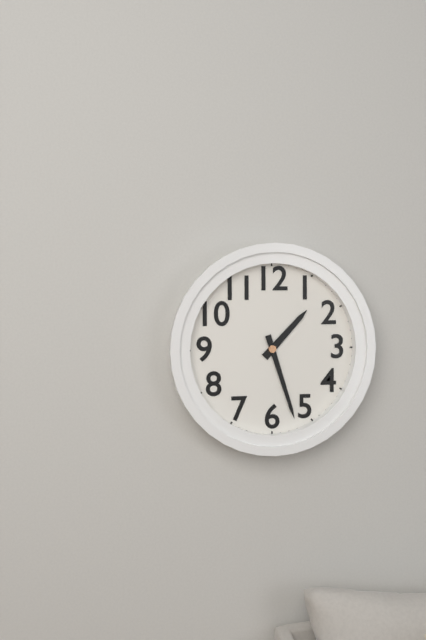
1h27
